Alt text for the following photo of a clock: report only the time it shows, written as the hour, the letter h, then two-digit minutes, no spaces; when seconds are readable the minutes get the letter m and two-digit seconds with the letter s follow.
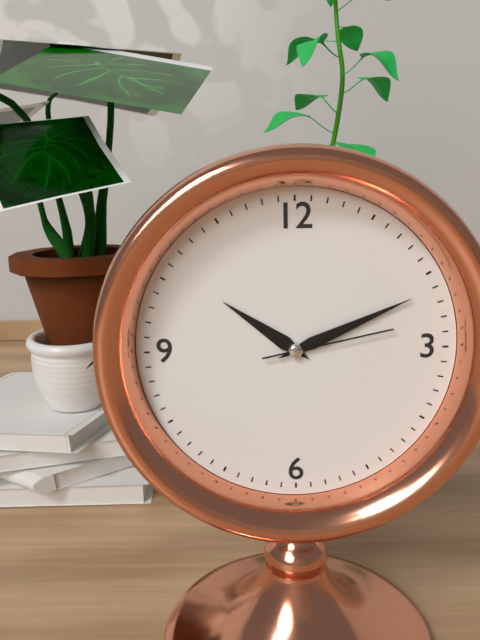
10h11m13s
